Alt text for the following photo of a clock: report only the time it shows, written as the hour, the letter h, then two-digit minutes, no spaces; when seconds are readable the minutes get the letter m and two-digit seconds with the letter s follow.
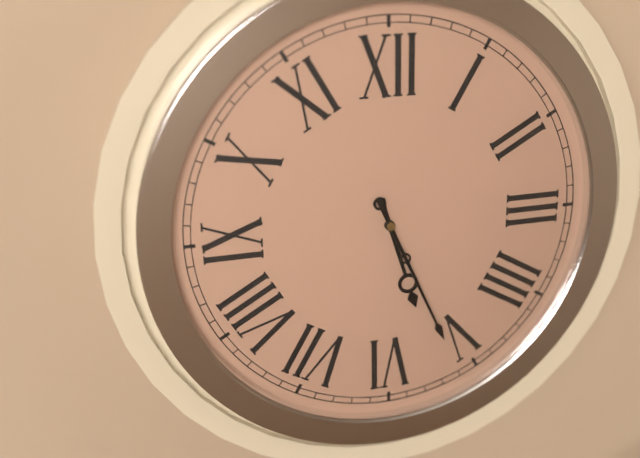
5h26
